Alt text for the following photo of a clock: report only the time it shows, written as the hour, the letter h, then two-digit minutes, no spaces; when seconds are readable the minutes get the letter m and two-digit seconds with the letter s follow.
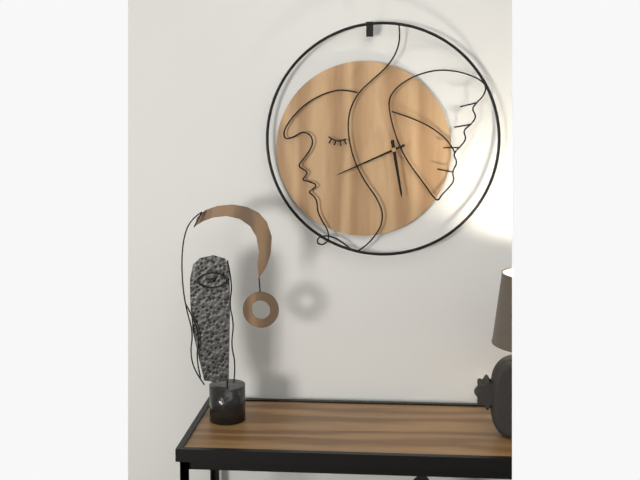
5h41
